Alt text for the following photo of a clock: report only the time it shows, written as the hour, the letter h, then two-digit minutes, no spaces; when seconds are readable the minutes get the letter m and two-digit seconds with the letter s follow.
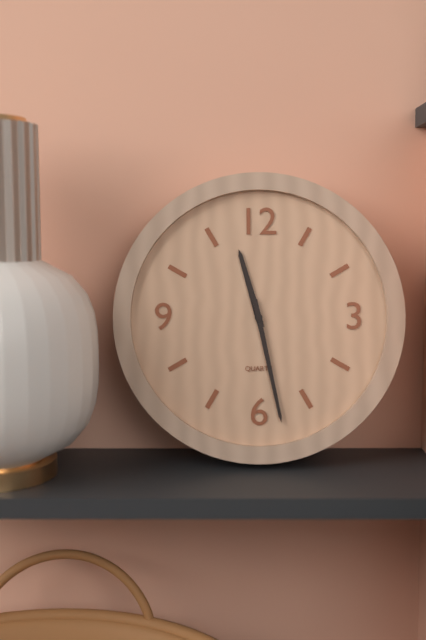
11h28
